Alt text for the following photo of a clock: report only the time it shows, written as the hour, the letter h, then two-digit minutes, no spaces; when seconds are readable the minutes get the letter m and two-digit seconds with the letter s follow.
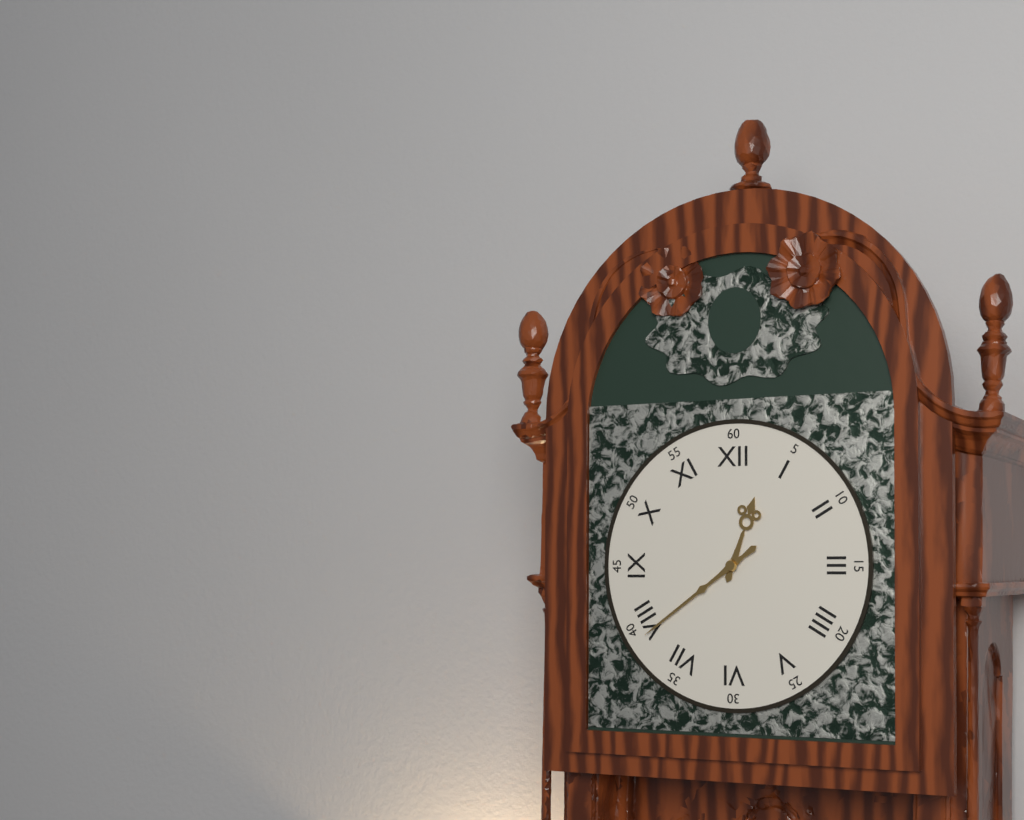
12h39
